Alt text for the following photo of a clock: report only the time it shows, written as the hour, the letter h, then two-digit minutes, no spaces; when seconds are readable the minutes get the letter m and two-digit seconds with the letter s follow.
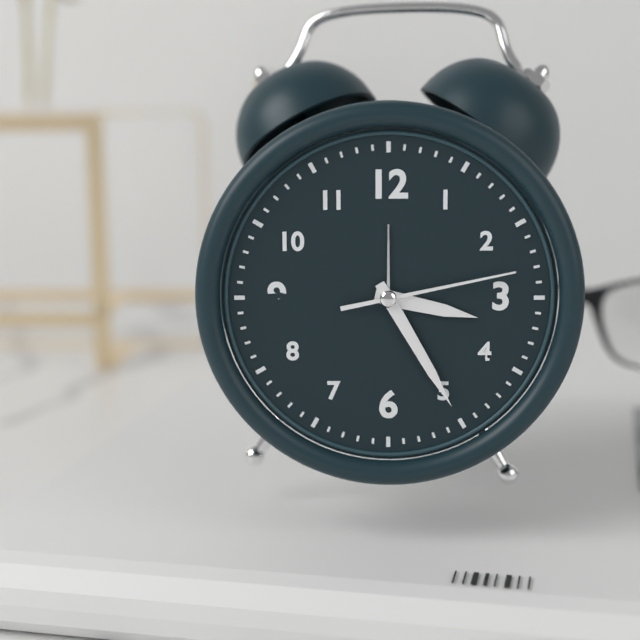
3h25m13s
